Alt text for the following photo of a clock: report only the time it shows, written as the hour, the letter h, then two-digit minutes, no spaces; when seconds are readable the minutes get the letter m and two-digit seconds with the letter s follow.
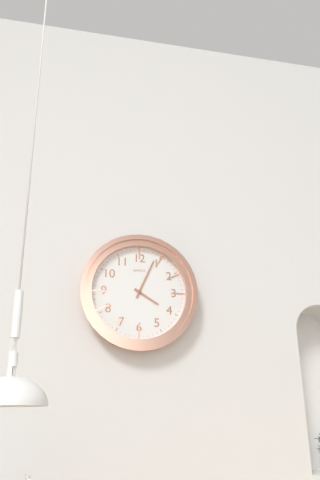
4h04
